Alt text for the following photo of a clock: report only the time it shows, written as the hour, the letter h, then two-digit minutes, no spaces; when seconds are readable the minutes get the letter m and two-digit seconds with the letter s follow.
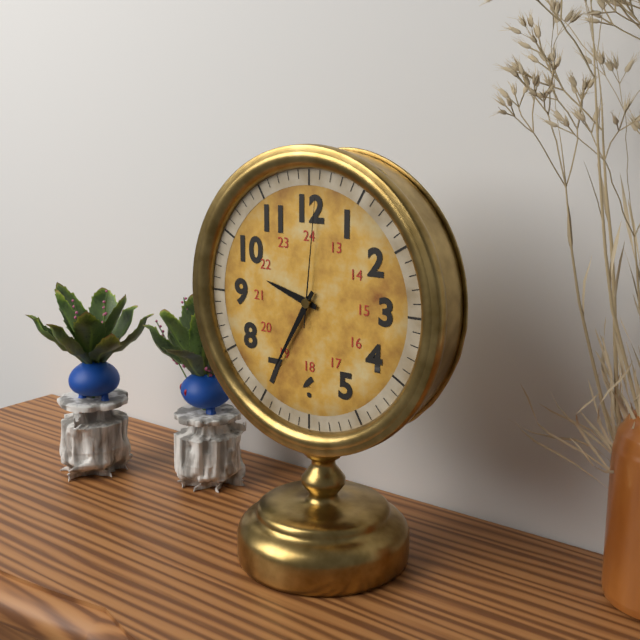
9h35m01s
